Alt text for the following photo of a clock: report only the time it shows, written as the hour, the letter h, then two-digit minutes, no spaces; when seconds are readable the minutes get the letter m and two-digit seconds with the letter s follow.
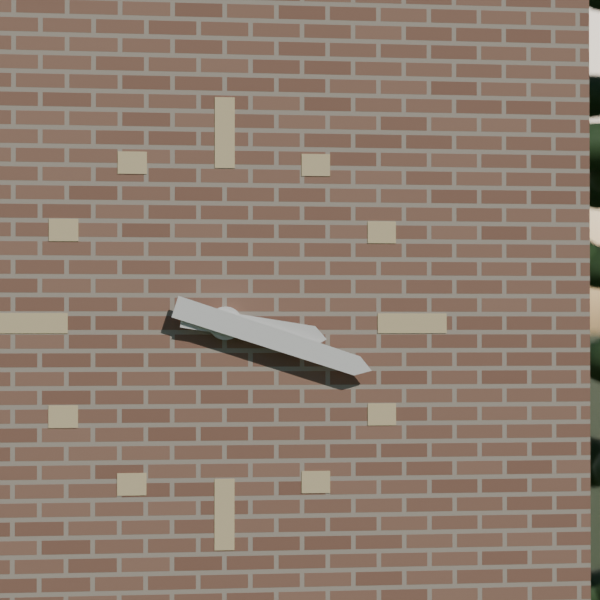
3h18
